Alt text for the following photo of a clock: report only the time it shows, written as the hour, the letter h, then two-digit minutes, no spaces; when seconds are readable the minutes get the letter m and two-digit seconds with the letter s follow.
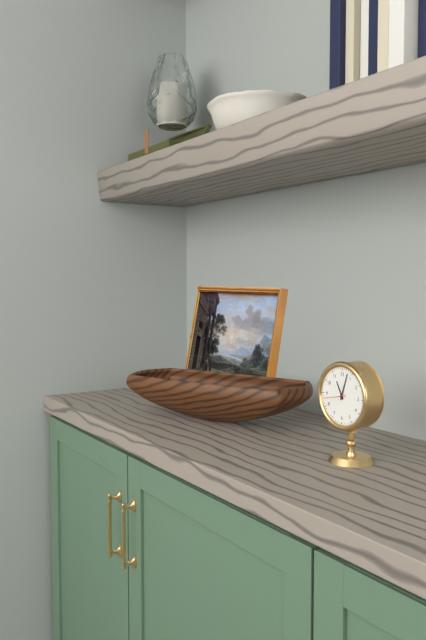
11h03
